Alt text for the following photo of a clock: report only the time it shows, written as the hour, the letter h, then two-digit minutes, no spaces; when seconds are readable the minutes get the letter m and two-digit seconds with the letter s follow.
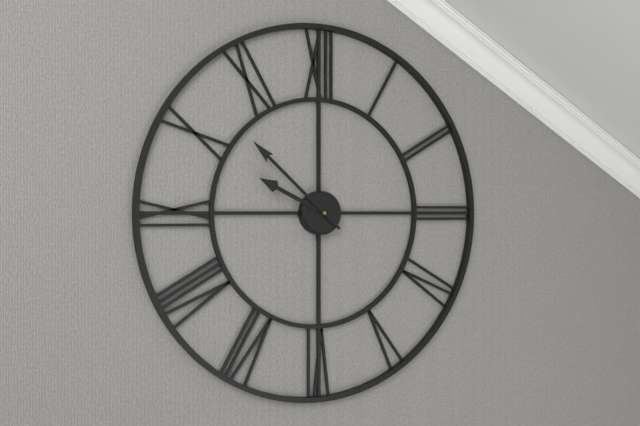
9h52
